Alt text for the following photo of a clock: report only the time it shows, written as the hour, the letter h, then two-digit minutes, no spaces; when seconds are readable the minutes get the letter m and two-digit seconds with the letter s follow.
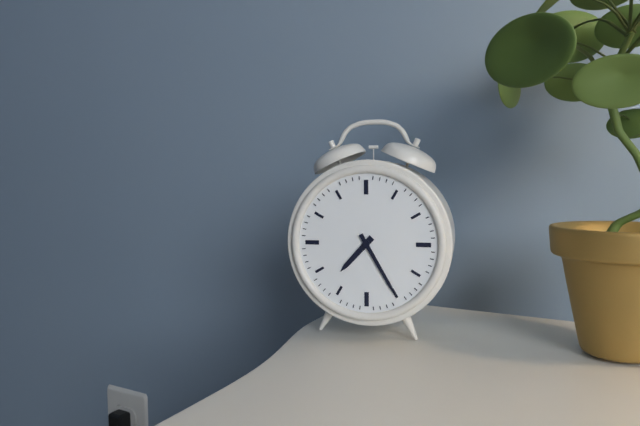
7h25
